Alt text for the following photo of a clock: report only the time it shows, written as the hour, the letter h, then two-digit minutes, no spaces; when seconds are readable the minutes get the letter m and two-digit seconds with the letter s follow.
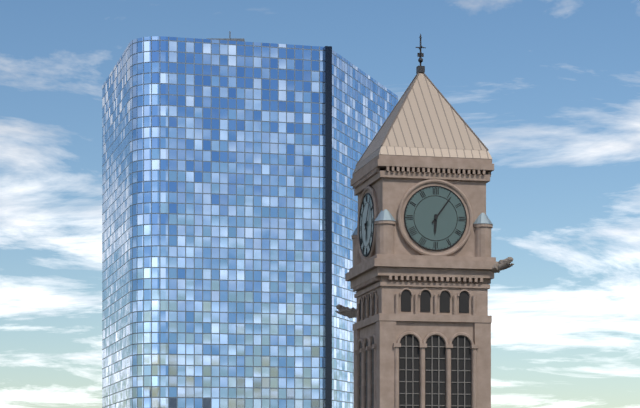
6h06
